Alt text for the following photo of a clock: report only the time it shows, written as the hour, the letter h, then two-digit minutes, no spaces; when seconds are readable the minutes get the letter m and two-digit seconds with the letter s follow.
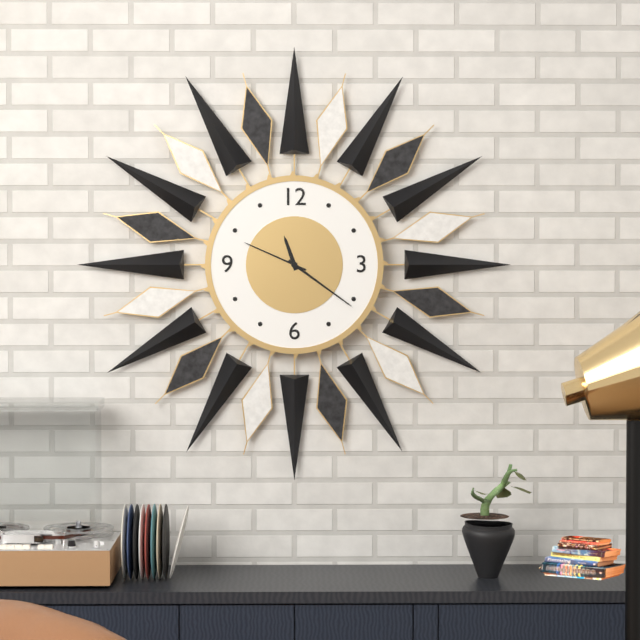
11h21m49s
